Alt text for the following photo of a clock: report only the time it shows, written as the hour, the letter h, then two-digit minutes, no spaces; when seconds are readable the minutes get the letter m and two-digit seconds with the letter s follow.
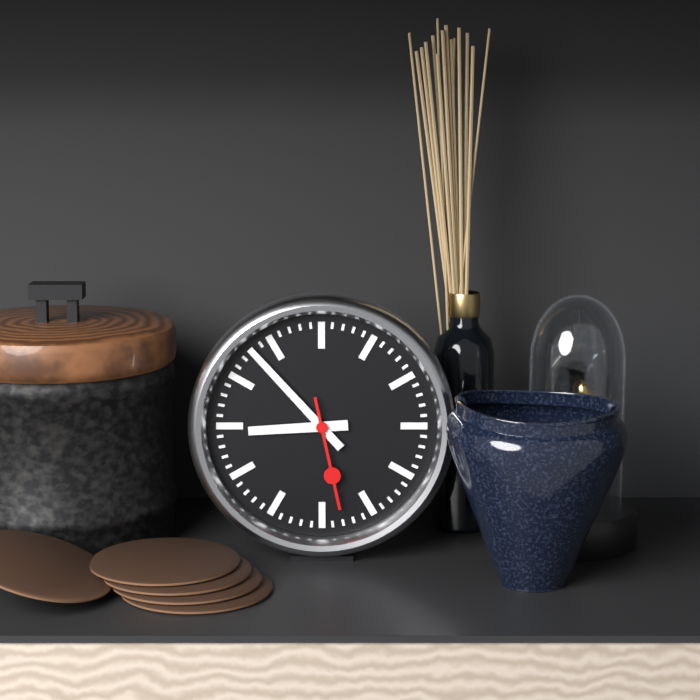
8h53m28s
